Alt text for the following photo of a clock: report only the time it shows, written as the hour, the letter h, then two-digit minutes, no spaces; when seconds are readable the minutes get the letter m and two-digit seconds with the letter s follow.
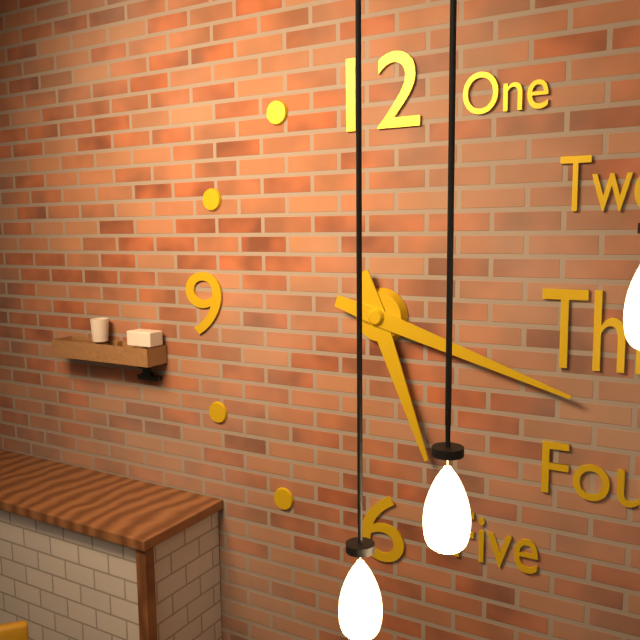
5h18
